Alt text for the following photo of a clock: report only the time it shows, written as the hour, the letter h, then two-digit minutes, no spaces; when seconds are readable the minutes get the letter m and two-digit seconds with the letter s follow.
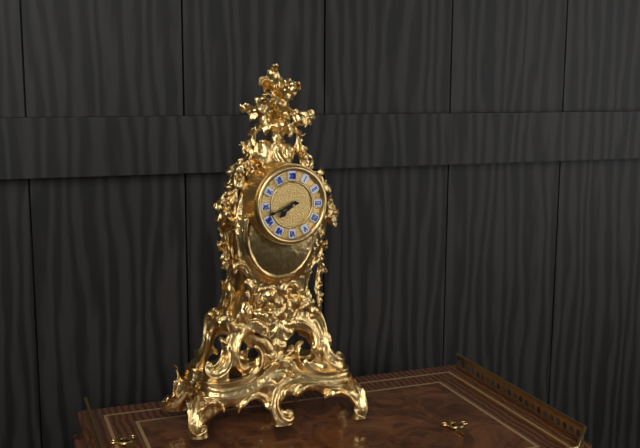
7h42
